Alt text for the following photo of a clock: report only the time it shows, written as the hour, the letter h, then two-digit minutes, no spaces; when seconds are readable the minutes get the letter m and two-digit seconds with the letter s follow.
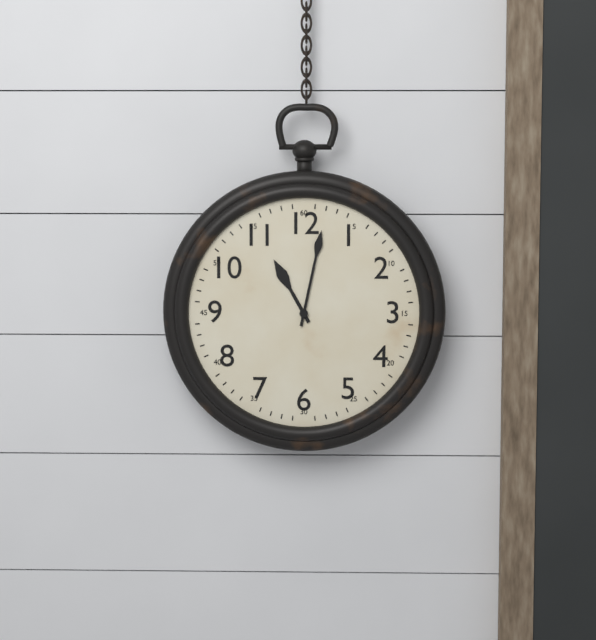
11h02
